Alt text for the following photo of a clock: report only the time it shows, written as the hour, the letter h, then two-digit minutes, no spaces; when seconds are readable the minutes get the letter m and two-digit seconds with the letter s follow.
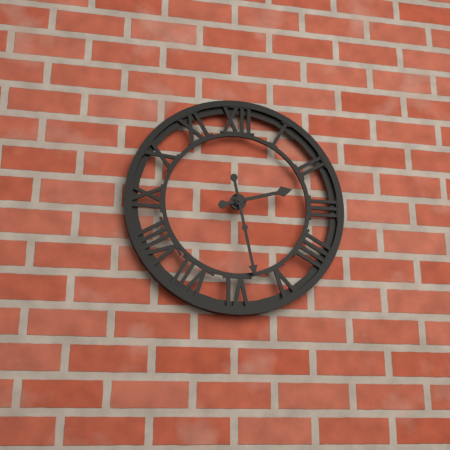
2h28
